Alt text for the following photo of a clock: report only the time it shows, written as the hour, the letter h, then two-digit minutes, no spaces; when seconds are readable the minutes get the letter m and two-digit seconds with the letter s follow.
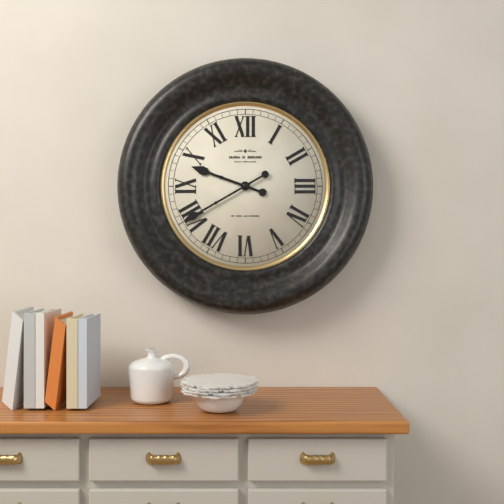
9h40
